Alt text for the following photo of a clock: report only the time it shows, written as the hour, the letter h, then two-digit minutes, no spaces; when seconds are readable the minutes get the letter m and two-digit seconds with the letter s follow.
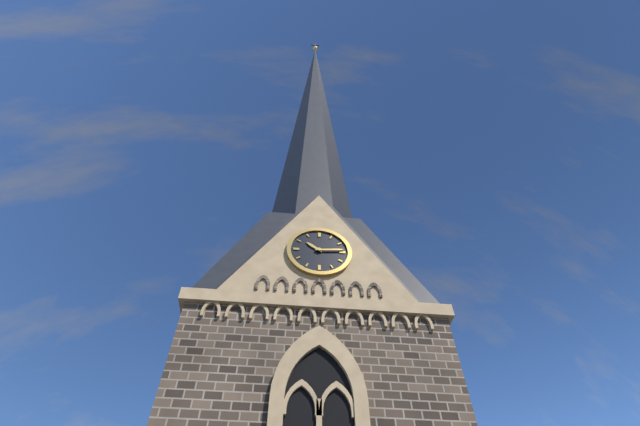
10h14
